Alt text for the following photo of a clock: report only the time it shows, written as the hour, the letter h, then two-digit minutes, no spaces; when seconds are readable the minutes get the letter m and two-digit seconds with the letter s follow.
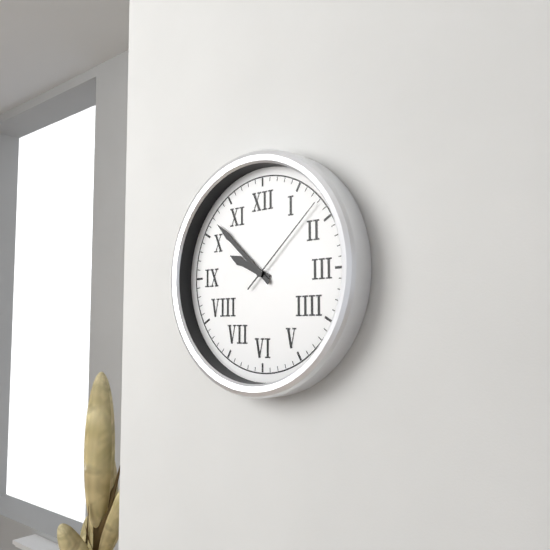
9h52m08s
